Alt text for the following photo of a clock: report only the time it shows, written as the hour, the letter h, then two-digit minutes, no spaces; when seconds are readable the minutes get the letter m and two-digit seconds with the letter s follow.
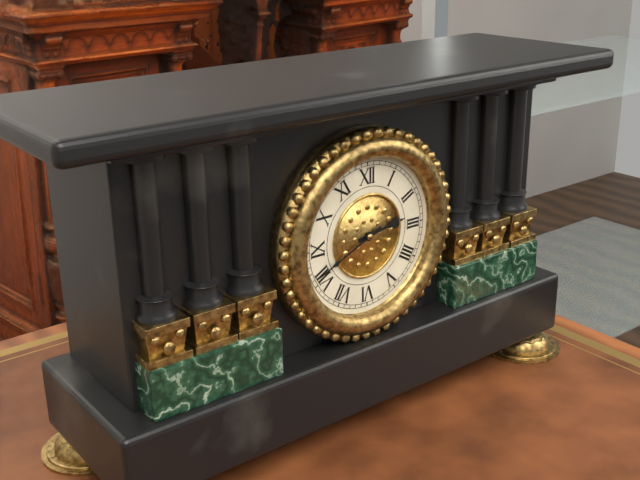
2h41
